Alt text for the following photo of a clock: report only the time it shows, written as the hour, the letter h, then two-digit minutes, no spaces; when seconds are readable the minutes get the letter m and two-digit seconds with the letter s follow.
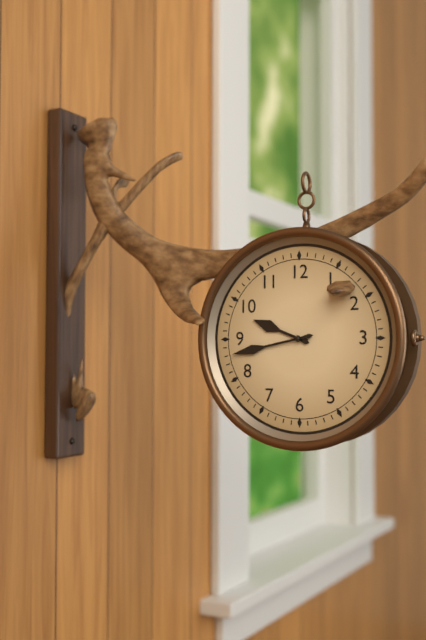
9h43
